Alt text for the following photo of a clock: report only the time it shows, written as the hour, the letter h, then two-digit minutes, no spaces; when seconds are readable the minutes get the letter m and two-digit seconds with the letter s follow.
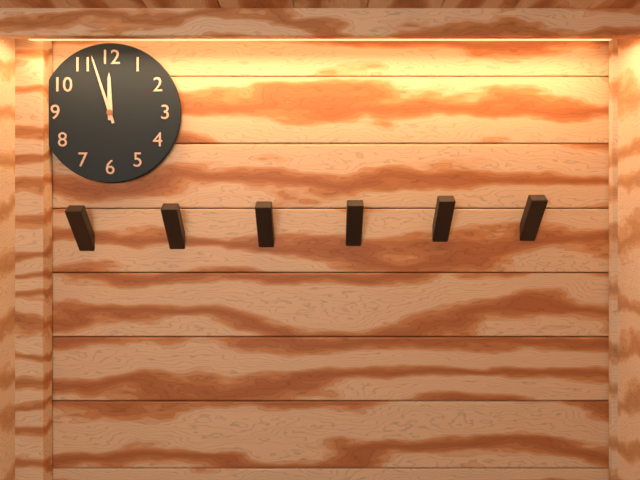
11h57
